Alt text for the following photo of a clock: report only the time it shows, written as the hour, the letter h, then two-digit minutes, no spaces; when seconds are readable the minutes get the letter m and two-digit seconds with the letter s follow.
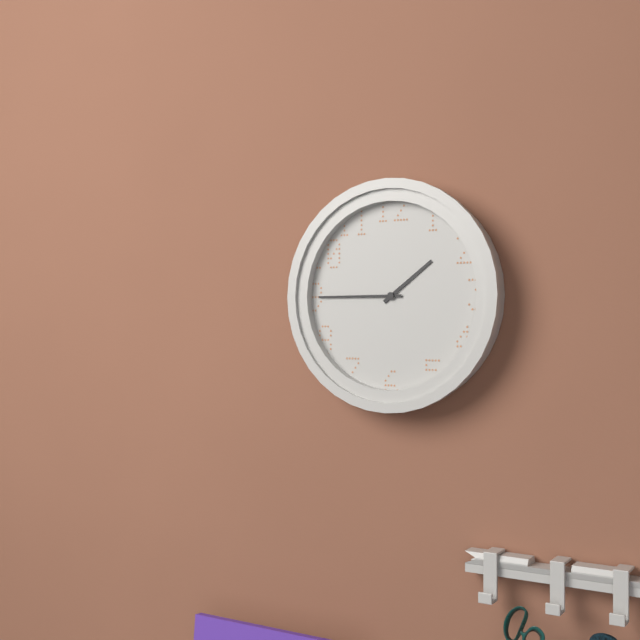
1h45
